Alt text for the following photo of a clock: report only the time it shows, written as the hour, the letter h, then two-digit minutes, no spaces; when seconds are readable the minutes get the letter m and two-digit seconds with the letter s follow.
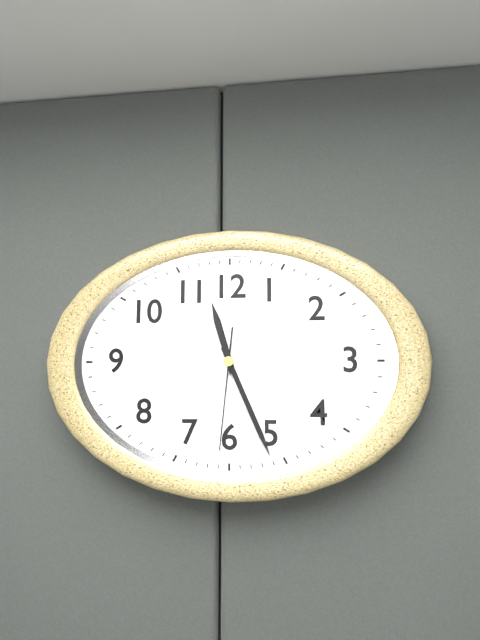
11h26m31s
